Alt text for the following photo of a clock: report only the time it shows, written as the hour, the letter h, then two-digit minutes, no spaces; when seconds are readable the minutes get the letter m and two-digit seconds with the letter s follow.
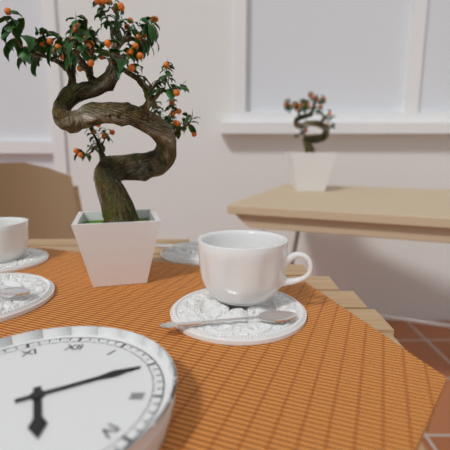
5h10
